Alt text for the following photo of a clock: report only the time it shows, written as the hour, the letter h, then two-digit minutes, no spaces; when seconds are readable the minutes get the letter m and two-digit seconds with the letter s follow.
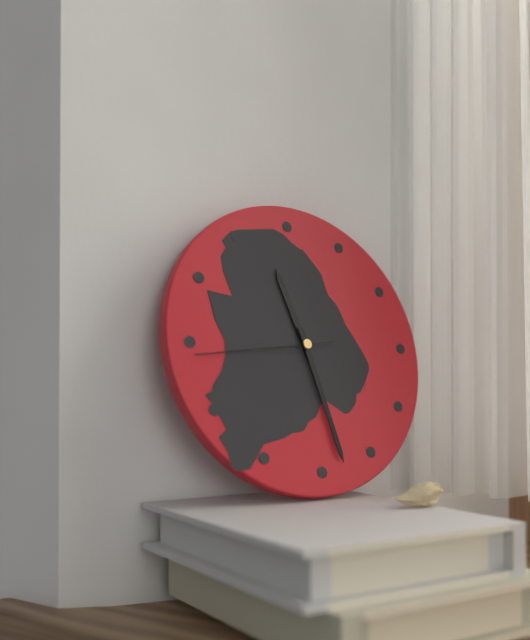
11h28m44s
